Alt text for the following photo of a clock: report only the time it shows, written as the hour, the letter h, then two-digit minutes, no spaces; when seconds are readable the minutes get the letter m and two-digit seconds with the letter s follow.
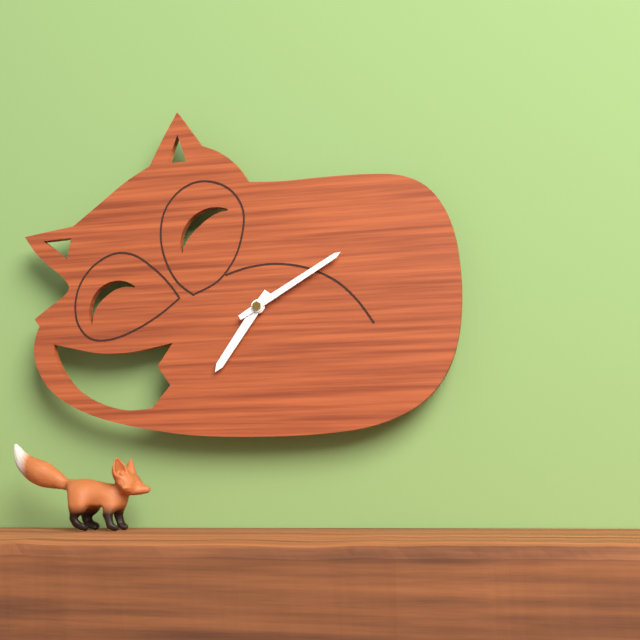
7h10
